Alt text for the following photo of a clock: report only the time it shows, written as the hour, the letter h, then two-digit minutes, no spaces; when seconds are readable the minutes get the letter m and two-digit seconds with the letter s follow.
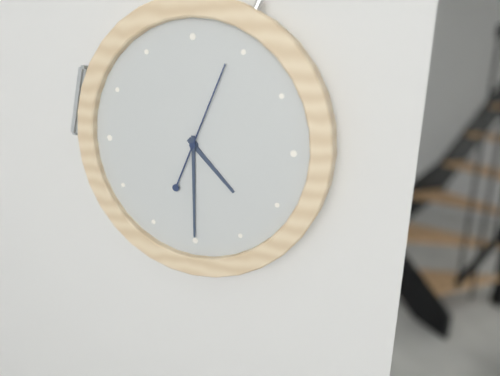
4h30m04s
